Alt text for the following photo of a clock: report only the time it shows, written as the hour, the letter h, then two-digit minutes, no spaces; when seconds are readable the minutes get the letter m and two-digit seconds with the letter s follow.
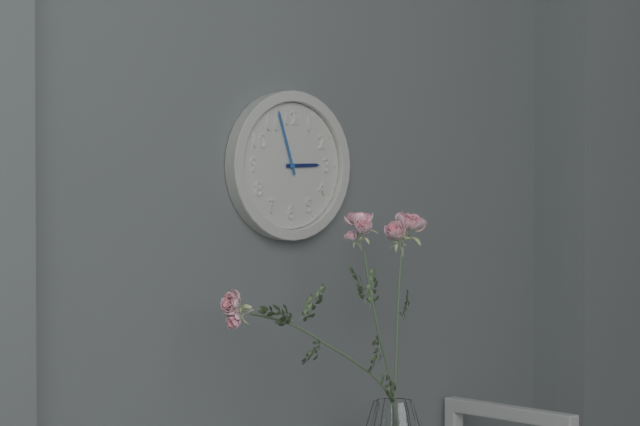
2h57
